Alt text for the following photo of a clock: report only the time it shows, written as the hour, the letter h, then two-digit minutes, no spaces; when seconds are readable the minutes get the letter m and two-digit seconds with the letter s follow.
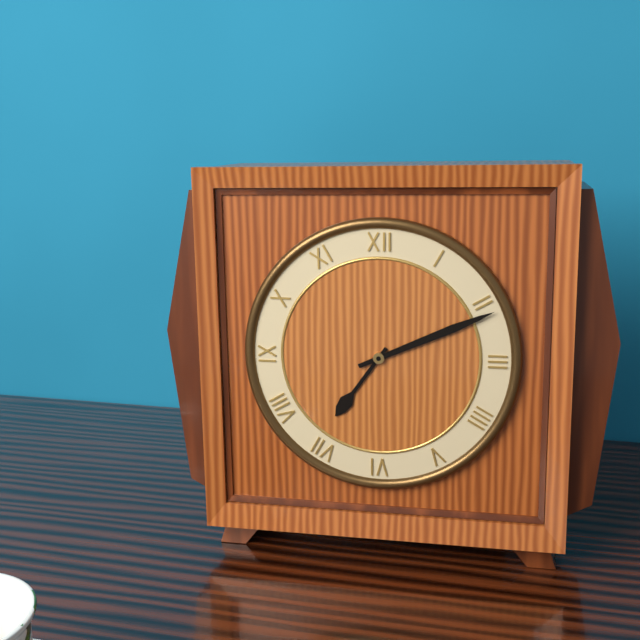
7h11
